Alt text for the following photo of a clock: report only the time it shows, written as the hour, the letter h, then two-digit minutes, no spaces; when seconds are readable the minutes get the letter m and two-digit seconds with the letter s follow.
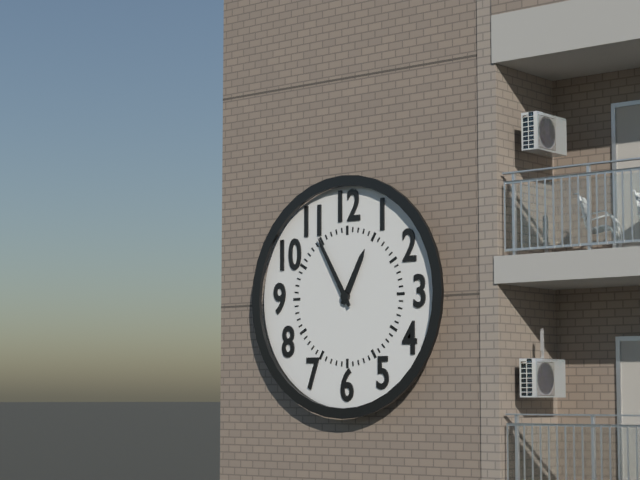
12h55
